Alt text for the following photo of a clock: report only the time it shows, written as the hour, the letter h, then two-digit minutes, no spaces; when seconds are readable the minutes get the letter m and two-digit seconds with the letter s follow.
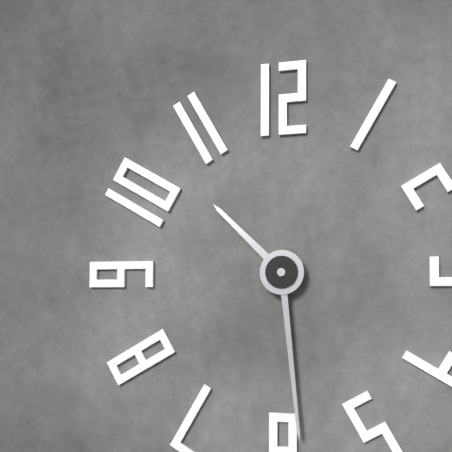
10h29
